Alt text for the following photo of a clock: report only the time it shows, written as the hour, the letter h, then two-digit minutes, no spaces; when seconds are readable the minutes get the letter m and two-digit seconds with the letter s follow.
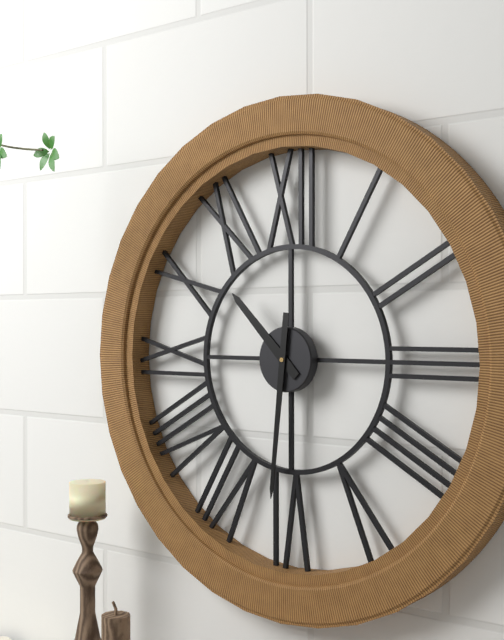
10h31
